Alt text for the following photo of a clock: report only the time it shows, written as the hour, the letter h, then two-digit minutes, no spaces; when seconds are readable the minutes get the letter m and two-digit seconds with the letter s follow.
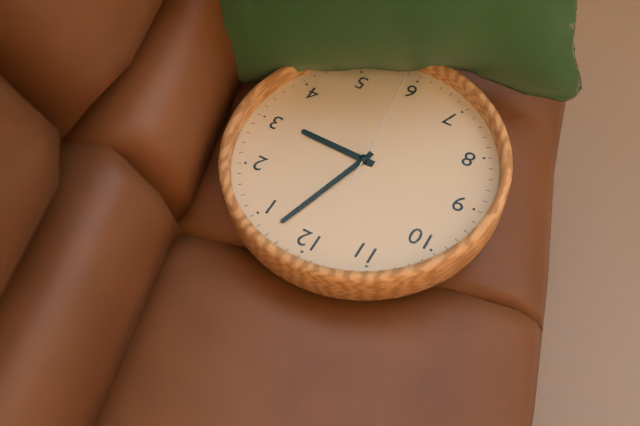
3h03m29s
